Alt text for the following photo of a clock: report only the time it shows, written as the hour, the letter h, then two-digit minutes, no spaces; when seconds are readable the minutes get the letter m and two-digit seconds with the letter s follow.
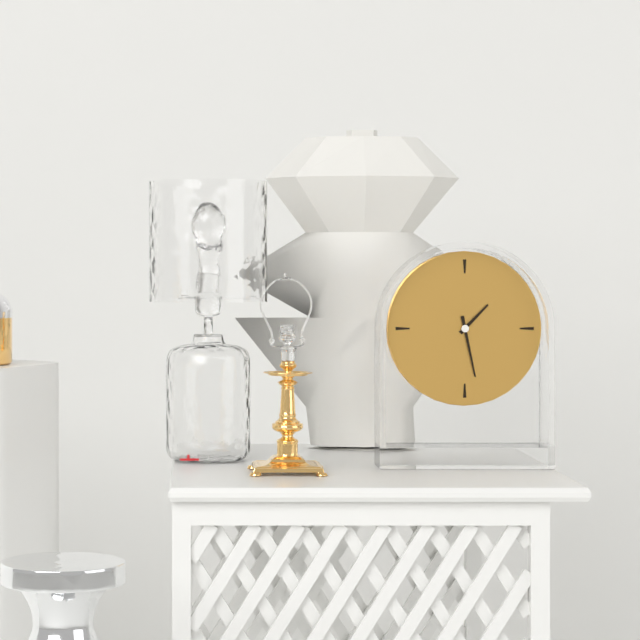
1h28
